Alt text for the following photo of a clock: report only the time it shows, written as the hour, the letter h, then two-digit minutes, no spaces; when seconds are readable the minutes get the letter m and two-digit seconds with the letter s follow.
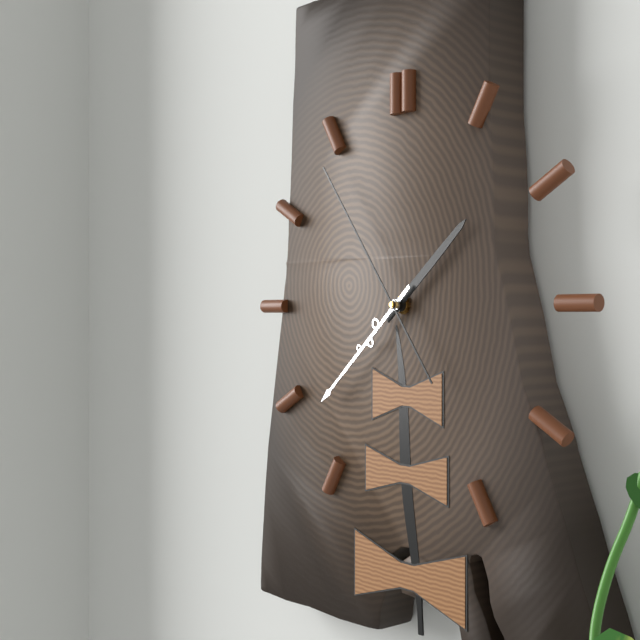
1h38m54s
